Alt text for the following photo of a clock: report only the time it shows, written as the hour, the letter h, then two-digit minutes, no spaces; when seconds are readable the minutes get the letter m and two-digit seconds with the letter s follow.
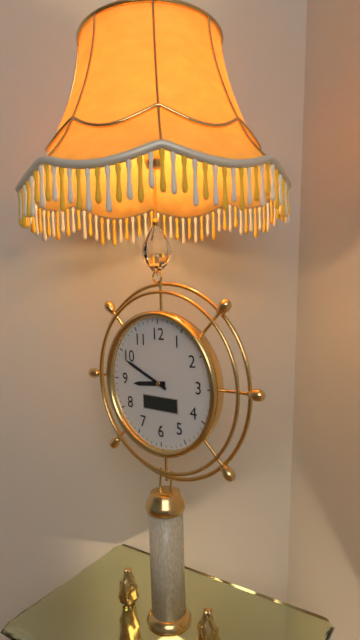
8h49
